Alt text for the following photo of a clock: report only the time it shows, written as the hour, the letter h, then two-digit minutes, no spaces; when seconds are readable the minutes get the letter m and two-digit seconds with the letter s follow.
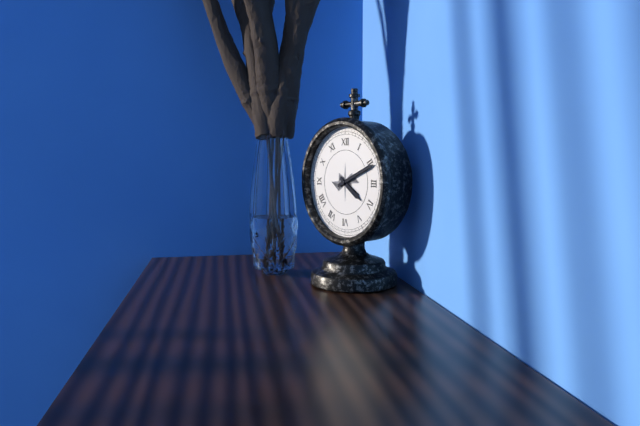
4h11
